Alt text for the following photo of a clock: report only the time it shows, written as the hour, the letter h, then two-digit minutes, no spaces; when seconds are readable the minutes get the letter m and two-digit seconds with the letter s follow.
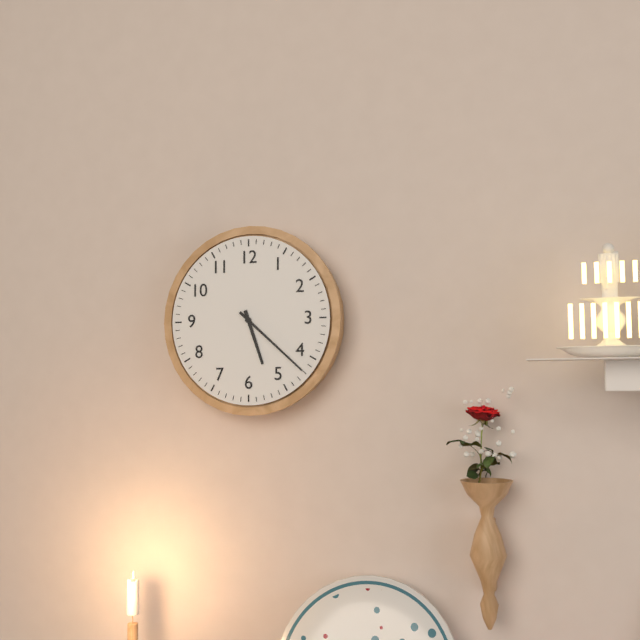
5h22
